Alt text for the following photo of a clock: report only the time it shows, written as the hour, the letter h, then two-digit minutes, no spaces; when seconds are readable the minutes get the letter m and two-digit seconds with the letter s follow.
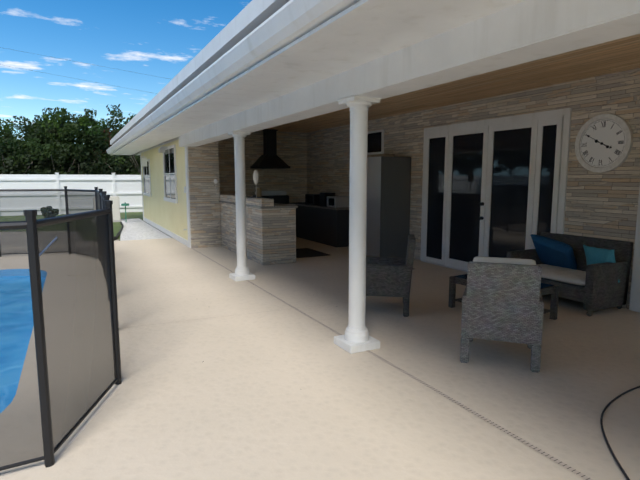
3h50
